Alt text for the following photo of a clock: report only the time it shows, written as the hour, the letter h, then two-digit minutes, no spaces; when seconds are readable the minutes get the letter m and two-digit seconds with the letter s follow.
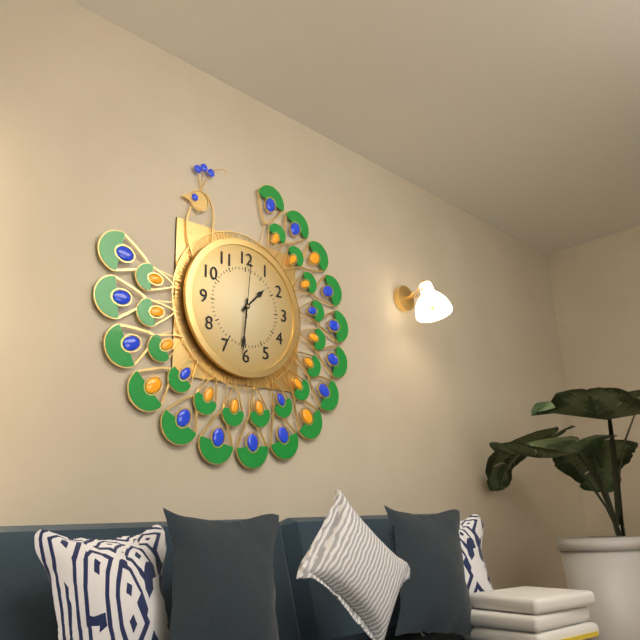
1h31m01s
